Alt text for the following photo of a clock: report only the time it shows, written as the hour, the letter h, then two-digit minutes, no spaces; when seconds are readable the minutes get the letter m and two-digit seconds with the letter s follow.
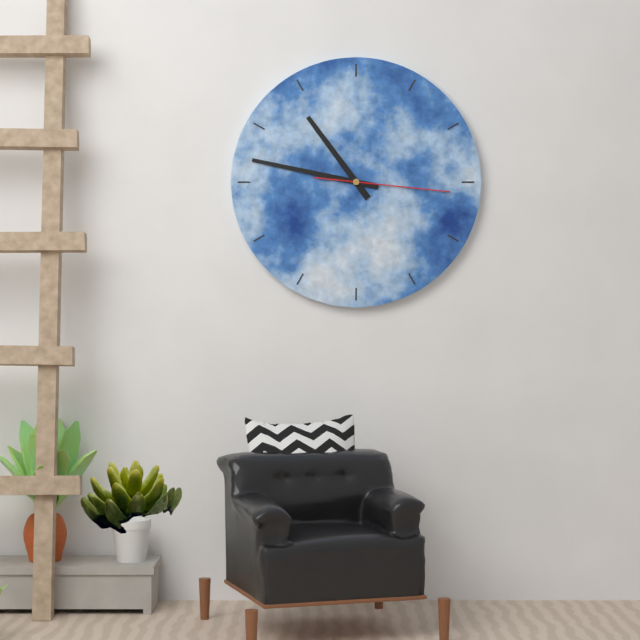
10h47m16s
